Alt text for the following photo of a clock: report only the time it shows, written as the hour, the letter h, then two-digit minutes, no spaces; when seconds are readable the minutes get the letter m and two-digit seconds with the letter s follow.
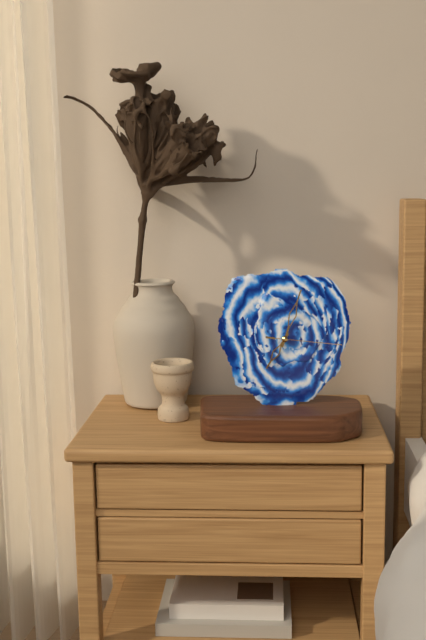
7h03m16s
